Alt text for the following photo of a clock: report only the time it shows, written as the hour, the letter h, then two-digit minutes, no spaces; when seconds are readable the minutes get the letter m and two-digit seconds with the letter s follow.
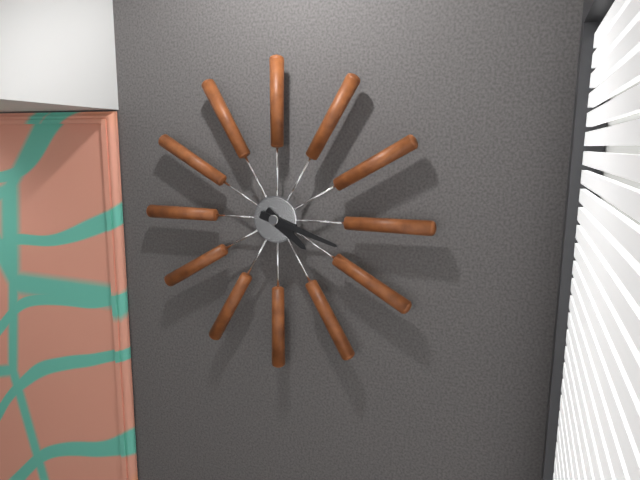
4h18
